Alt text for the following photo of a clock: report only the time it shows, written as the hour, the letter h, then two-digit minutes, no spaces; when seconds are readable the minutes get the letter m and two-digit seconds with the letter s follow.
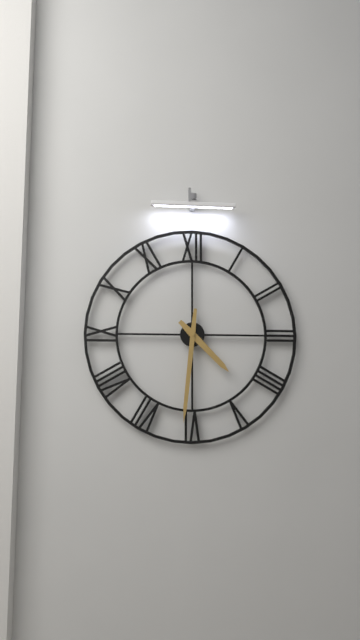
4h31
